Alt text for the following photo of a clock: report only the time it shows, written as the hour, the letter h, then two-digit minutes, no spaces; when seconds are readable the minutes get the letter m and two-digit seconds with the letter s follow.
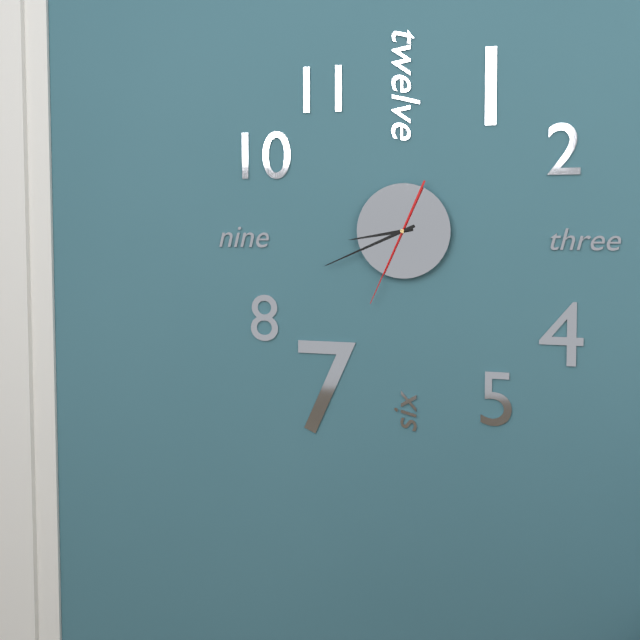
8h41m34s
